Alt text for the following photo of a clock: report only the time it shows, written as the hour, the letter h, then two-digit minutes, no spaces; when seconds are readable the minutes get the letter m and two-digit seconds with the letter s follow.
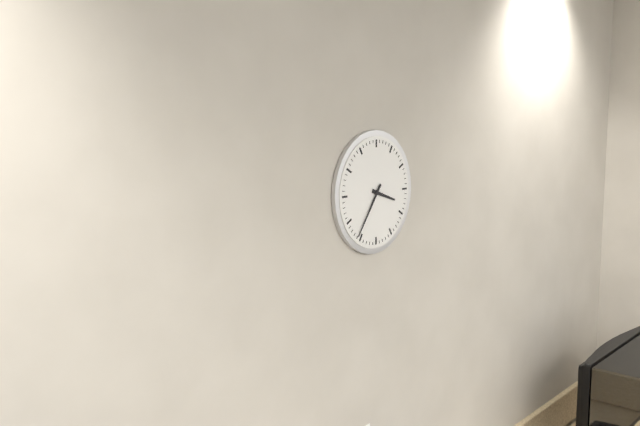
3h36
